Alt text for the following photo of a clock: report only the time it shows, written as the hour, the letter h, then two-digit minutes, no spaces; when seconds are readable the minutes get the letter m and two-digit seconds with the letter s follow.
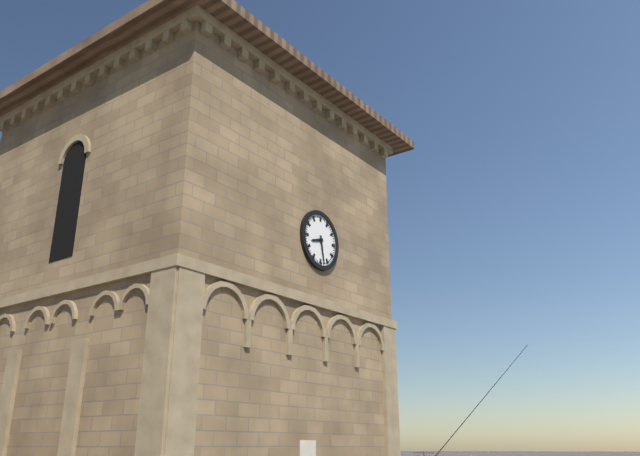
8h28
